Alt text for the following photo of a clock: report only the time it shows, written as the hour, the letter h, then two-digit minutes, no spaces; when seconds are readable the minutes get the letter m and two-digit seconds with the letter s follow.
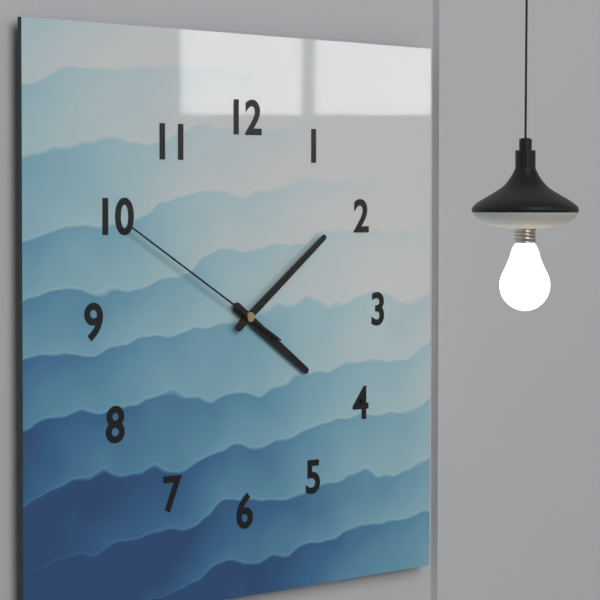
4h09m50s
